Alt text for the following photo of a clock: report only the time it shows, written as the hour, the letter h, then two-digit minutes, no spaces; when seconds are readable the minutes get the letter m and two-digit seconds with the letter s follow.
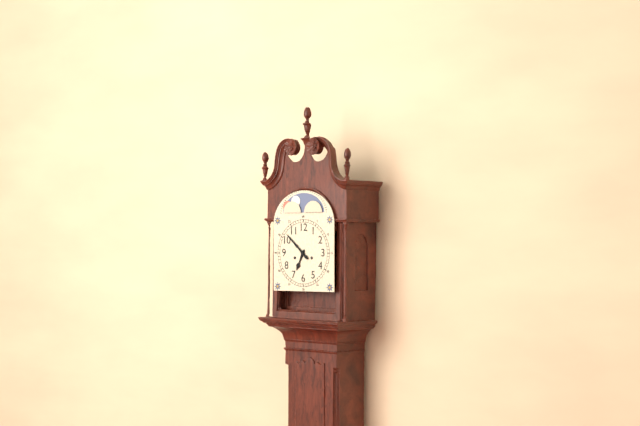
6h52
